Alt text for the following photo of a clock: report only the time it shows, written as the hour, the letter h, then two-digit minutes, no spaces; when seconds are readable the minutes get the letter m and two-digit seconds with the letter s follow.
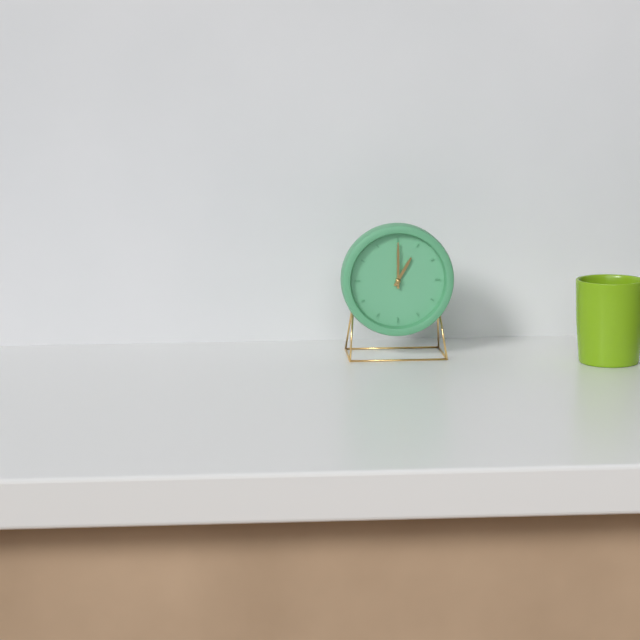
1h00
